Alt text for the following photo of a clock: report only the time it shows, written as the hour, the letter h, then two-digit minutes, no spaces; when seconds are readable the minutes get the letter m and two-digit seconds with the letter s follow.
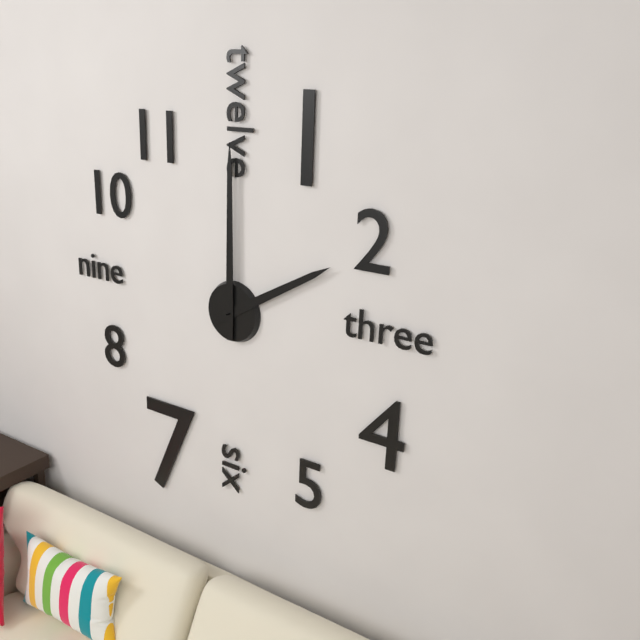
2h00
